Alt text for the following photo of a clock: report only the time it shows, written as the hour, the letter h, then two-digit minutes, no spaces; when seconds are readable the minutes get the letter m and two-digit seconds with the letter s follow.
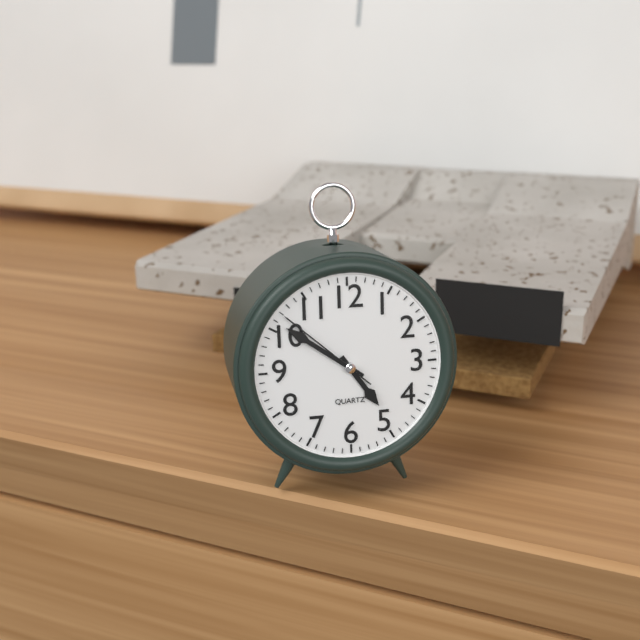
4h51m52s
